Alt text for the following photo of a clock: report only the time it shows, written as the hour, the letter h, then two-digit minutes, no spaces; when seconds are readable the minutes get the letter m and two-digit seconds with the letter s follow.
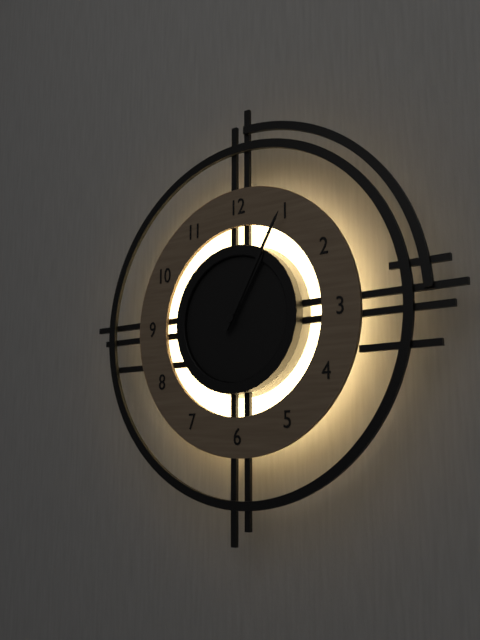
1h05
